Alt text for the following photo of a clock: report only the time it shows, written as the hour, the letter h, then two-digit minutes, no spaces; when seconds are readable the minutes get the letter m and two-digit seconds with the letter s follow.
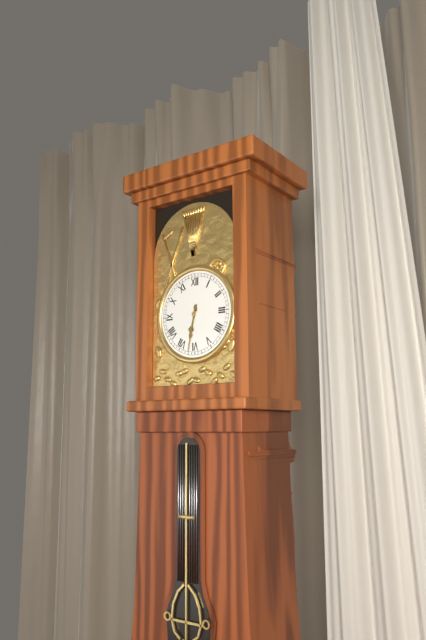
6h32
